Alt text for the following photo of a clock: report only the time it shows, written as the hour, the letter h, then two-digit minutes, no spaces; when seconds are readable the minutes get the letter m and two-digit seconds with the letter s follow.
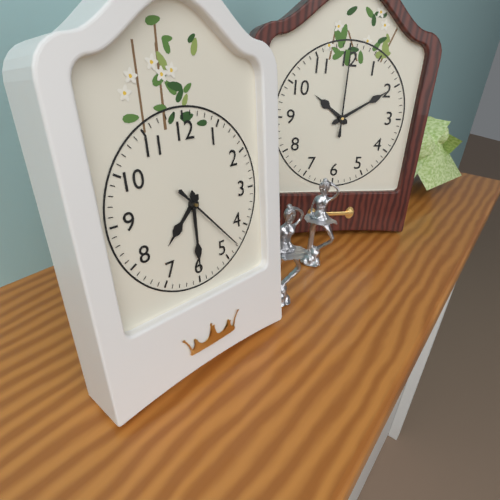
7h30m23s
